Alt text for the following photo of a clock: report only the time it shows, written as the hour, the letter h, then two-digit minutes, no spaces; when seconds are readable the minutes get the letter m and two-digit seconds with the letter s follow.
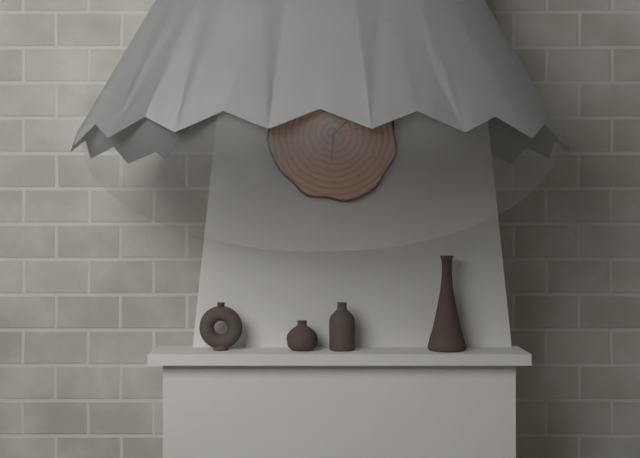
1h31
